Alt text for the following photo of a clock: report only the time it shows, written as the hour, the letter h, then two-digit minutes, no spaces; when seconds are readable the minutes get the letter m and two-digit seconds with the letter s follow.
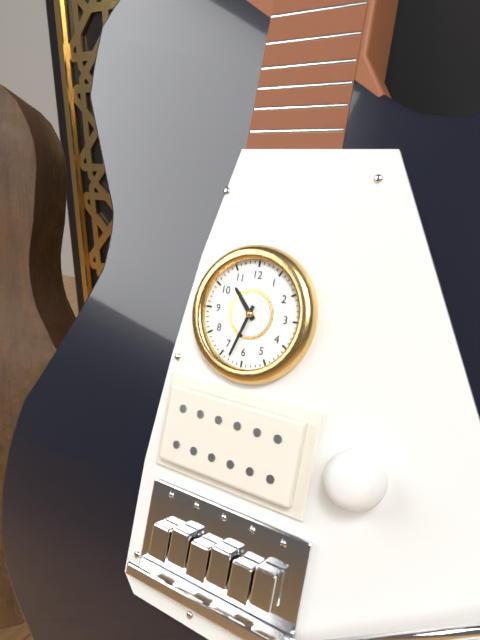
10h33
